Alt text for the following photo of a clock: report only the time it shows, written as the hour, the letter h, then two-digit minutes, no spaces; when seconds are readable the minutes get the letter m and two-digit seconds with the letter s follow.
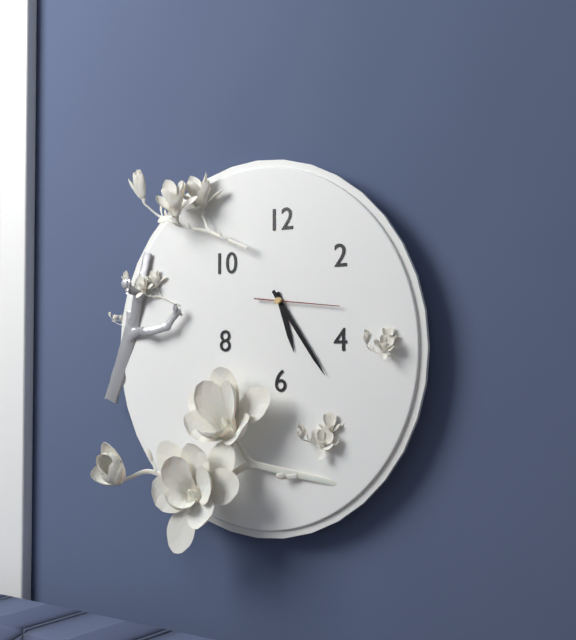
5h24m16s
